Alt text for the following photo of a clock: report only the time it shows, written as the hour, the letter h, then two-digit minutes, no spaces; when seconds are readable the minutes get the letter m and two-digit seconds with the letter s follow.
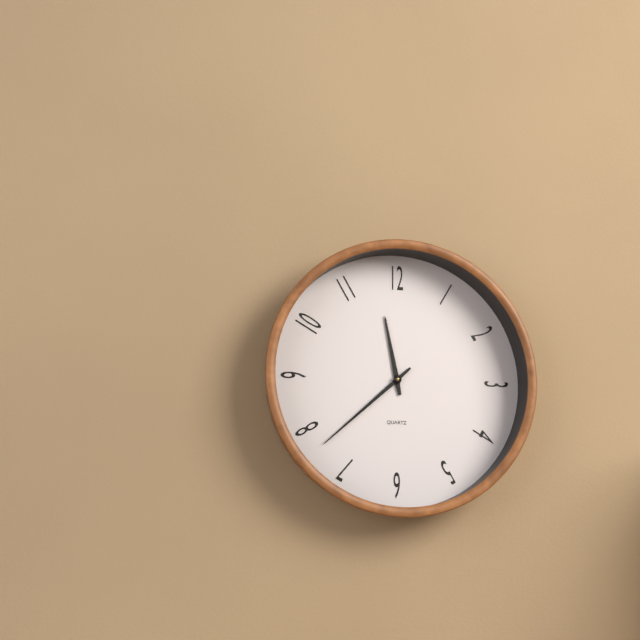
11h38
